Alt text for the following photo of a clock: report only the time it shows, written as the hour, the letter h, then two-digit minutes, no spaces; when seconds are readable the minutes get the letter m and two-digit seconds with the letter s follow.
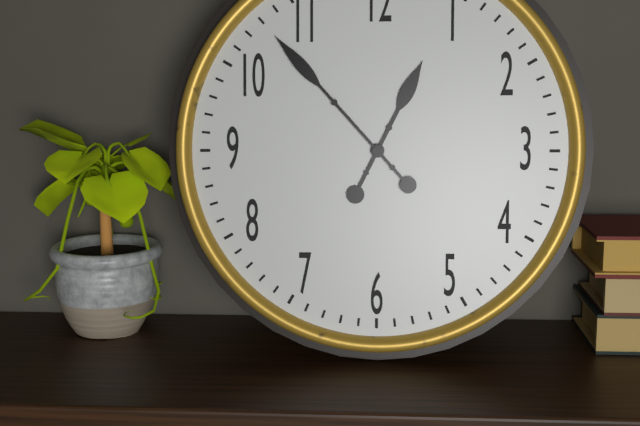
12h53
